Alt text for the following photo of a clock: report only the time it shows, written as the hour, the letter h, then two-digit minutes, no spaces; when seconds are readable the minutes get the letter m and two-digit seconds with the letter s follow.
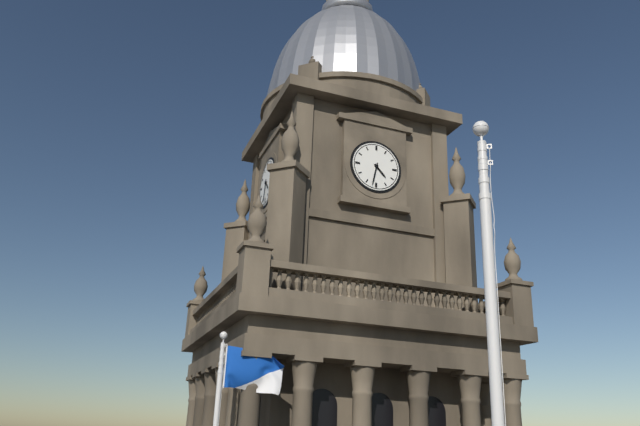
4h32
